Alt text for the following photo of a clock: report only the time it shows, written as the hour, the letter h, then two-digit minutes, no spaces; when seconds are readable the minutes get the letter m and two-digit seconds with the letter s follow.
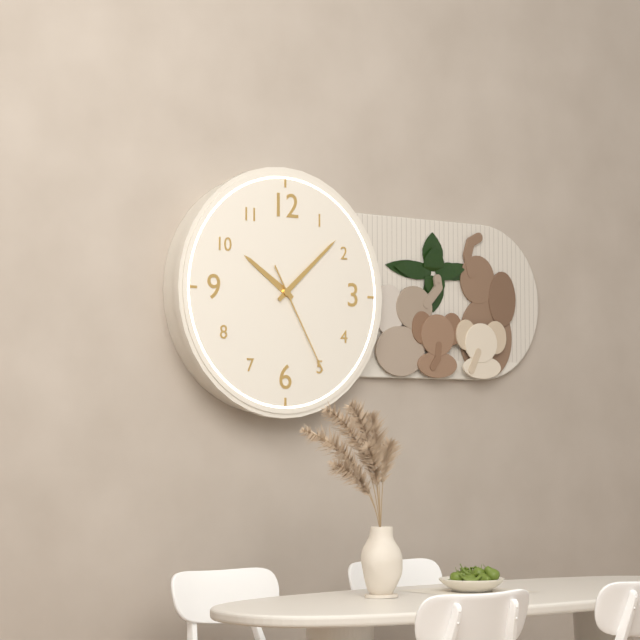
10h08m25s
